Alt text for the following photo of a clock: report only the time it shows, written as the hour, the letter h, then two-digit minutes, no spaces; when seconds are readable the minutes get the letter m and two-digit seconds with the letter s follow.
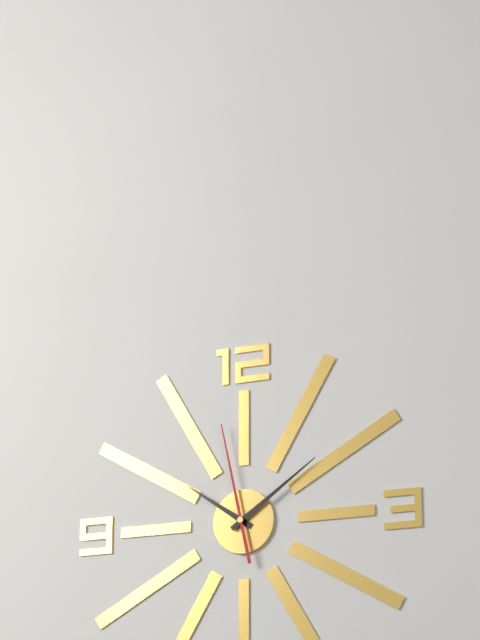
10h09m58s
